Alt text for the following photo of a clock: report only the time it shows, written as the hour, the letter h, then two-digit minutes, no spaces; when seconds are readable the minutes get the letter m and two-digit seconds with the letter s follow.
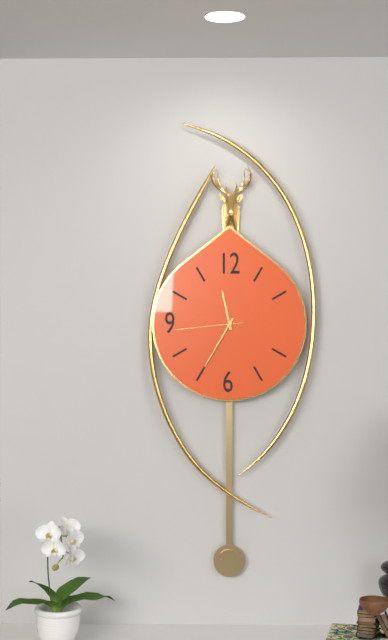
11h35m44s
